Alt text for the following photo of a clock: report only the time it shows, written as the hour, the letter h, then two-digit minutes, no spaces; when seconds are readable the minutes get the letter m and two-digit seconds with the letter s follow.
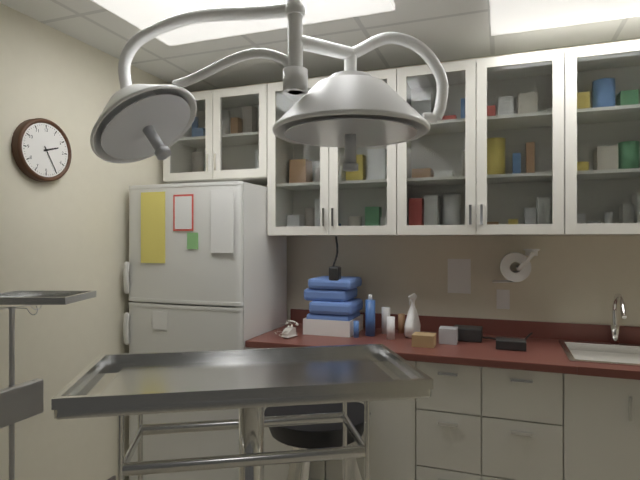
2h25
